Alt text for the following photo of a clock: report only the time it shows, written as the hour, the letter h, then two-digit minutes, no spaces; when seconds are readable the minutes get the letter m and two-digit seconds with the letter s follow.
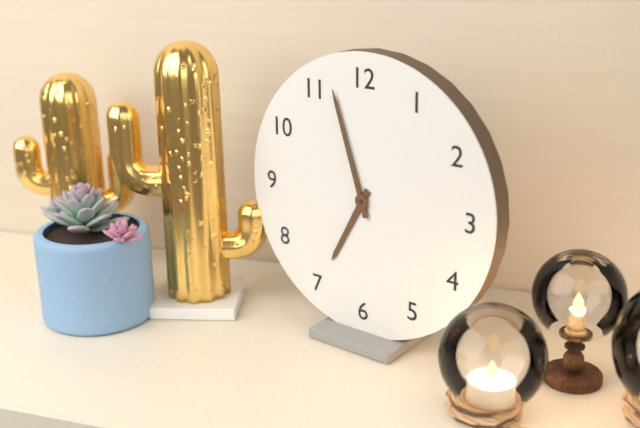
6h57
